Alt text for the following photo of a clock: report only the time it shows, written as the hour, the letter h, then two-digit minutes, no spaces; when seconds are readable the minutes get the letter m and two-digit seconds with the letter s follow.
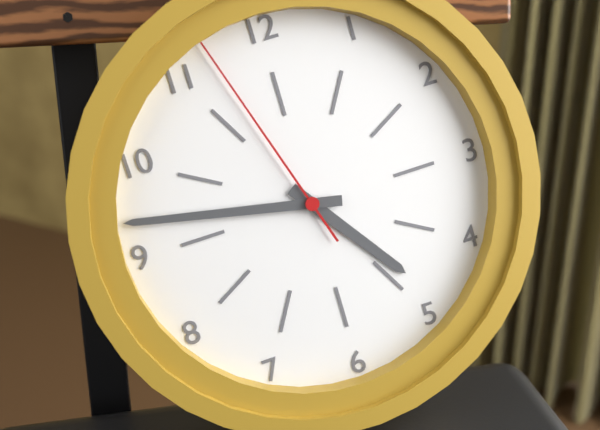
4h47m57s
